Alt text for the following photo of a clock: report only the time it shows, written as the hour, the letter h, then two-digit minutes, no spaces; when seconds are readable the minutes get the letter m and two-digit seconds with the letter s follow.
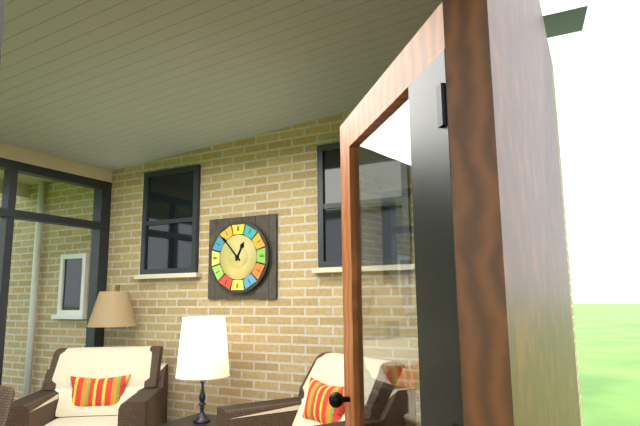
12h53
